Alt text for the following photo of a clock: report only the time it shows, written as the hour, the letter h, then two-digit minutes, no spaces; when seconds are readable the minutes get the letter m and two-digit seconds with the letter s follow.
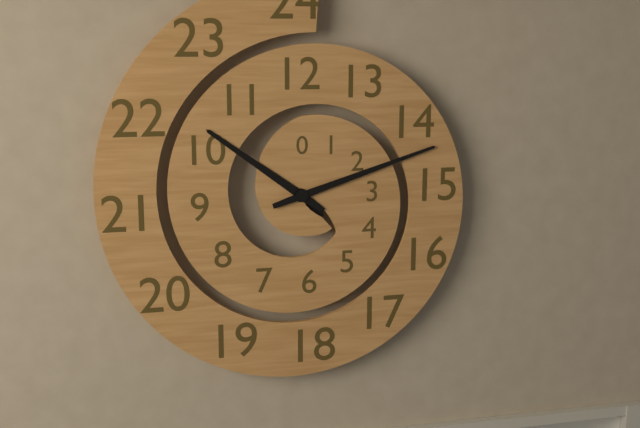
10h12
